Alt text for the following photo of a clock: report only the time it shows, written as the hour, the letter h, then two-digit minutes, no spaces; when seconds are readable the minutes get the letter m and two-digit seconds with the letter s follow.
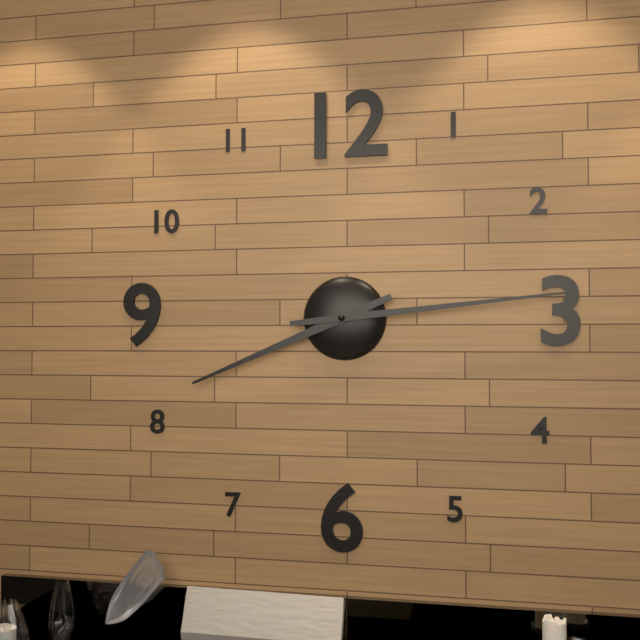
8h14
